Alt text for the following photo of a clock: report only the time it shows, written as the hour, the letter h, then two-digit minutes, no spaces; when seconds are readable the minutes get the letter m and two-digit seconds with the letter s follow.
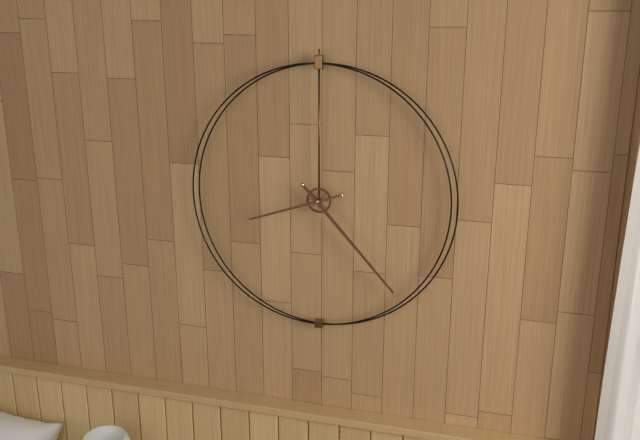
8h23
